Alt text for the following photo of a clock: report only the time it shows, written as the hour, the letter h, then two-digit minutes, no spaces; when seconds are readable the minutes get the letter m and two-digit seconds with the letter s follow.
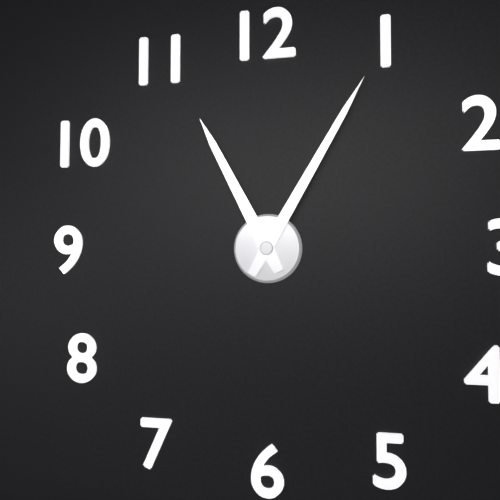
11h05
